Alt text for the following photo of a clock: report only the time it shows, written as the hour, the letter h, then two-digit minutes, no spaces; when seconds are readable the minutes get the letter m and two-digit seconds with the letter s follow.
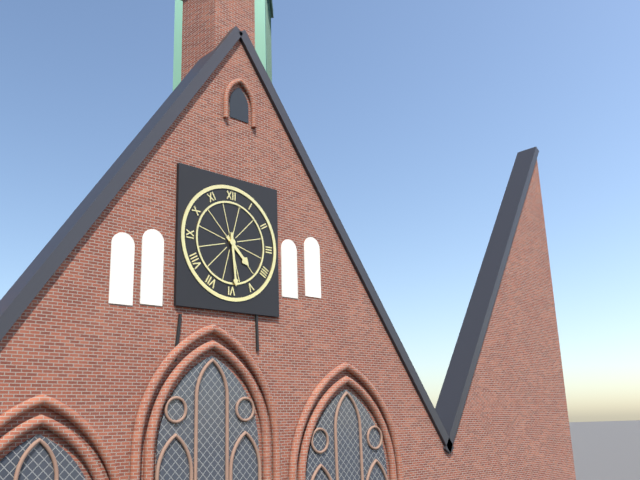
4h29
